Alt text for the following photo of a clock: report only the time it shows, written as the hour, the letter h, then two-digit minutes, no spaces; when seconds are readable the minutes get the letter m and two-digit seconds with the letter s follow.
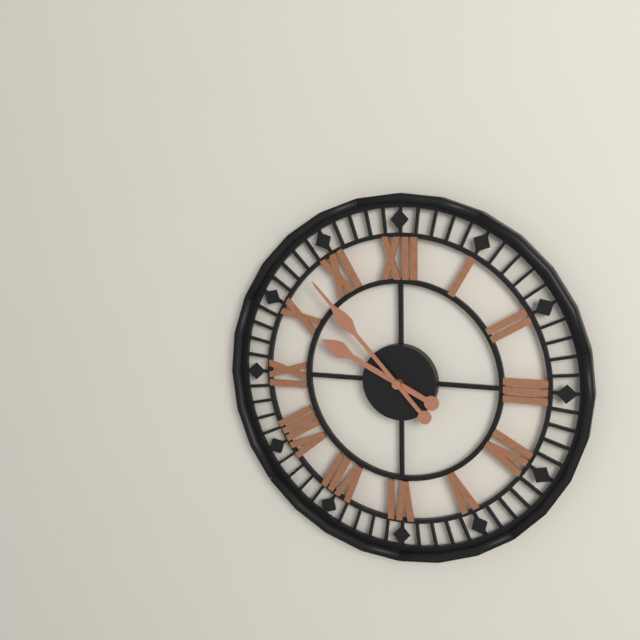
9h53
